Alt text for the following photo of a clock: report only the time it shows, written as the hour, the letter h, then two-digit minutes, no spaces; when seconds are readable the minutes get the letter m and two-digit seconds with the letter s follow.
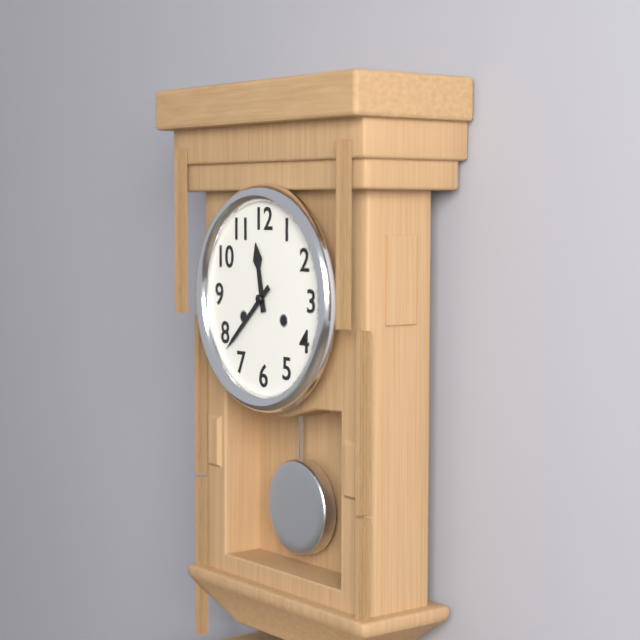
11h38
